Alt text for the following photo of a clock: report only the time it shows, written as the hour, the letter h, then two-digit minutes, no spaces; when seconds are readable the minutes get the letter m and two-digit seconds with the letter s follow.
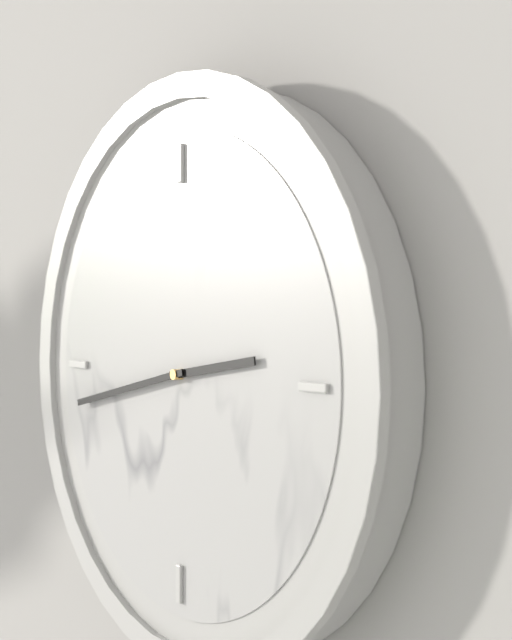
2h43
